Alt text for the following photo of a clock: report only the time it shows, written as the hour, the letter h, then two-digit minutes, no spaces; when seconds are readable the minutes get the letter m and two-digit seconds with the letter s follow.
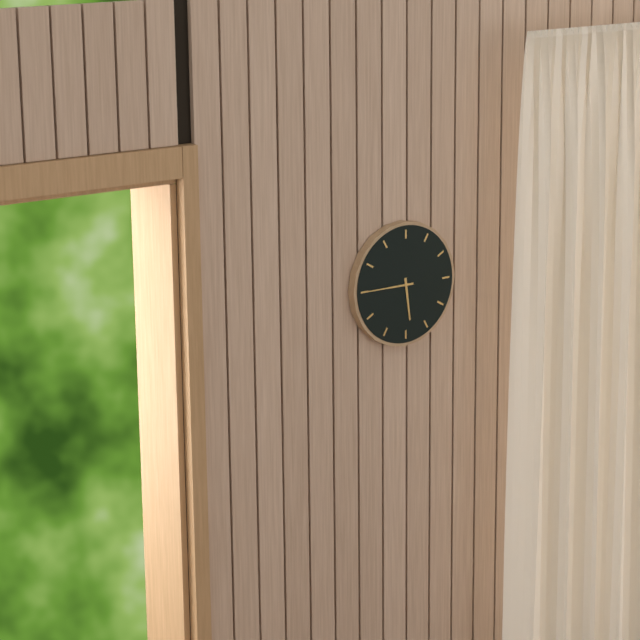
5h45
